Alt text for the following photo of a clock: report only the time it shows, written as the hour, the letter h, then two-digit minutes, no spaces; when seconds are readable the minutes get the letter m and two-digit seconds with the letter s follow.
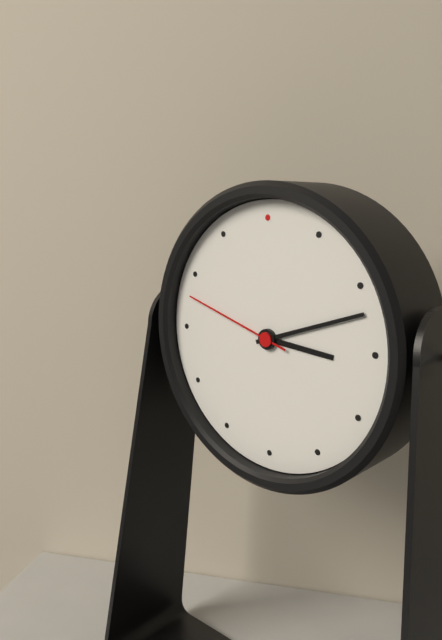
3h12m48s
